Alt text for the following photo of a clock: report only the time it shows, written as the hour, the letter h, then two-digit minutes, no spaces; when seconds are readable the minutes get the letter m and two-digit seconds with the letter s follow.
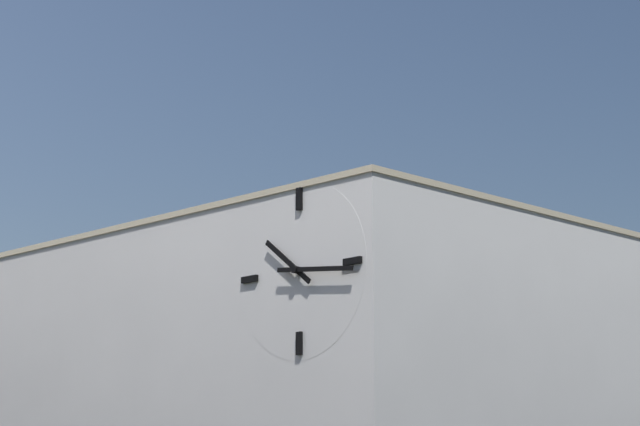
10h16
